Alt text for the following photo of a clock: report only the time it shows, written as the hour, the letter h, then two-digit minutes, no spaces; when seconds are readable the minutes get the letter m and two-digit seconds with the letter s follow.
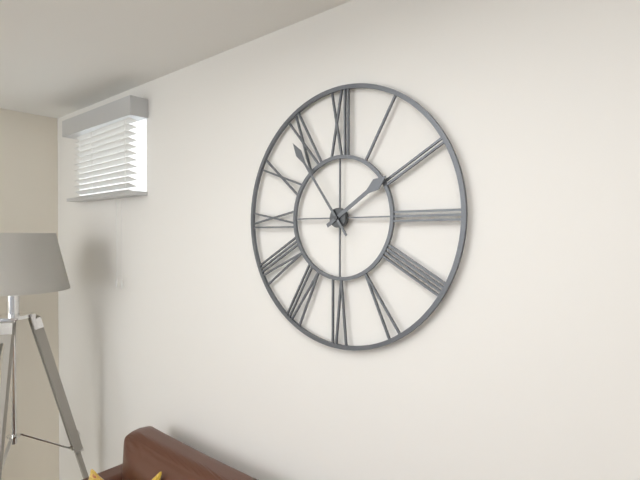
1h54
